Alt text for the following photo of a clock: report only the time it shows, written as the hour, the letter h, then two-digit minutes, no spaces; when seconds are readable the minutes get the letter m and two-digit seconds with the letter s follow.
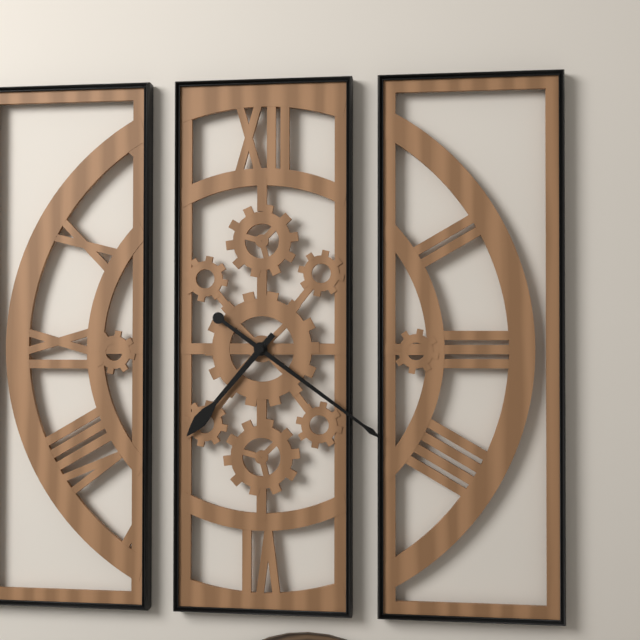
7h21
